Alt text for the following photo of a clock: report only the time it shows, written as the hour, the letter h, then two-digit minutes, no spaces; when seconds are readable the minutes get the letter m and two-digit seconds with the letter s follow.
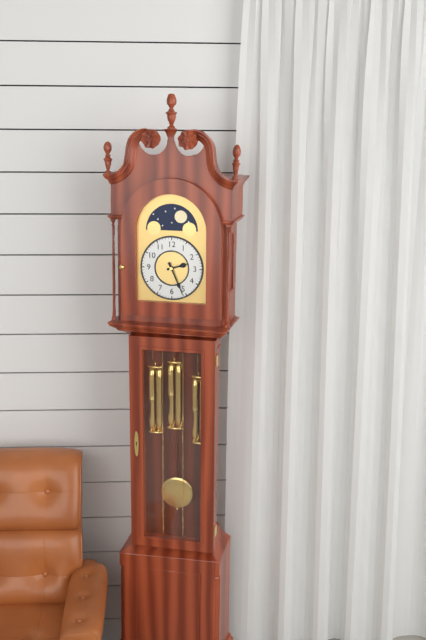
2h26
